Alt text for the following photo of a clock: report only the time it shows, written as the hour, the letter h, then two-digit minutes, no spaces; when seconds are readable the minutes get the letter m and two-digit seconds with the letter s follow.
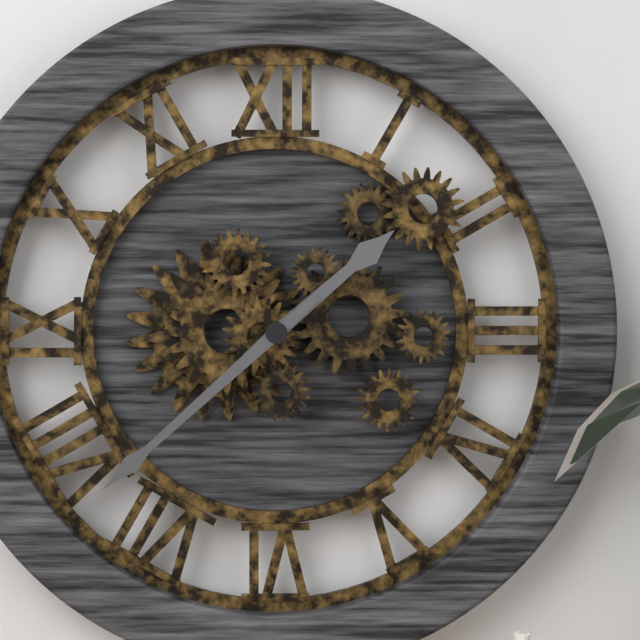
1h38
